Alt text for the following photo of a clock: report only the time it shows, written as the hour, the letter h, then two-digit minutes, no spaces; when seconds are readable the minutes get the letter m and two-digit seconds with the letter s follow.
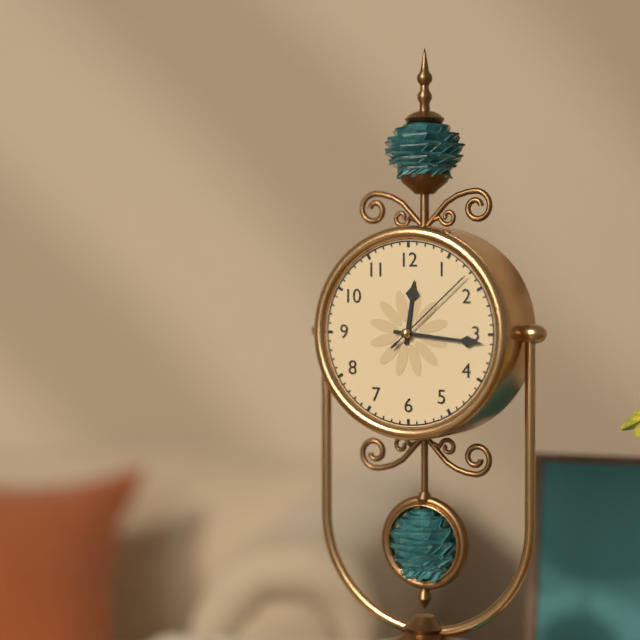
12h16m08s
